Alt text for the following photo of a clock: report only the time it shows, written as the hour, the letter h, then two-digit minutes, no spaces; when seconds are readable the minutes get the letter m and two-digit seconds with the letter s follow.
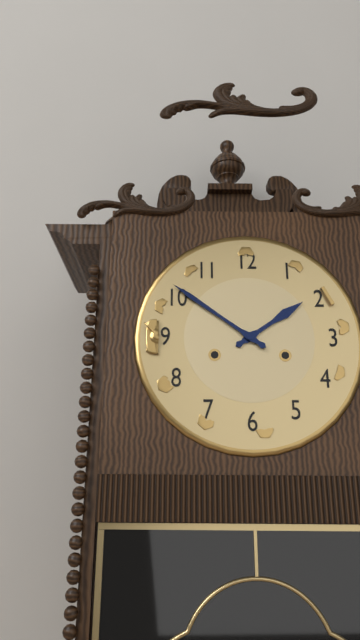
1h51
